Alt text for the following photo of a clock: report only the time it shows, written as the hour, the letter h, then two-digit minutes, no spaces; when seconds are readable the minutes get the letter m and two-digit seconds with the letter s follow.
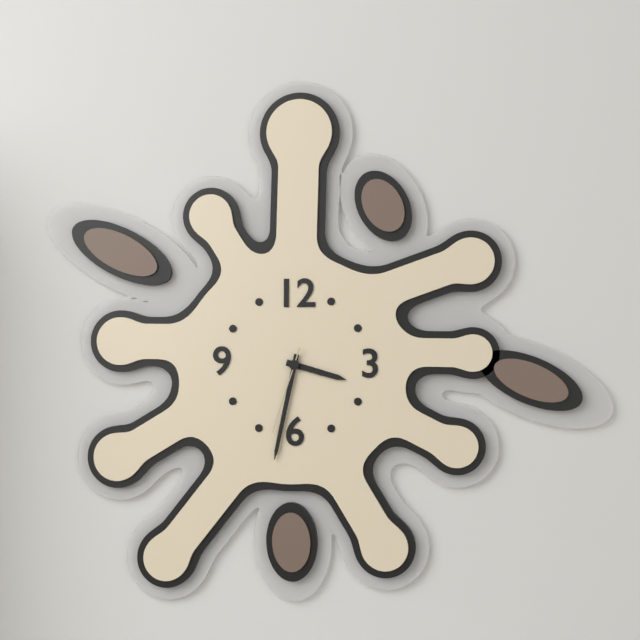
3h32m33s
